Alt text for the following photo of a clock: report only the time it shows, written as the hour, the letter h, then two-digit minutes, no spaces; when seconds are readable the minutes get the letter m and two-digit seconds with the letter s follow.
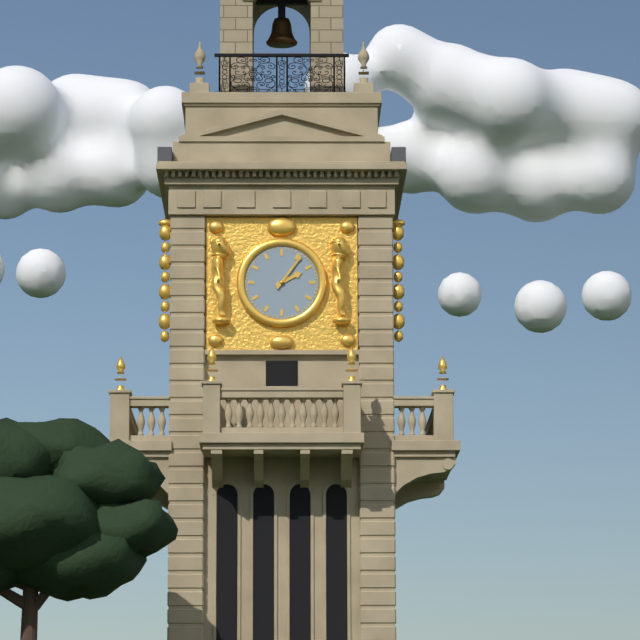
2h06
